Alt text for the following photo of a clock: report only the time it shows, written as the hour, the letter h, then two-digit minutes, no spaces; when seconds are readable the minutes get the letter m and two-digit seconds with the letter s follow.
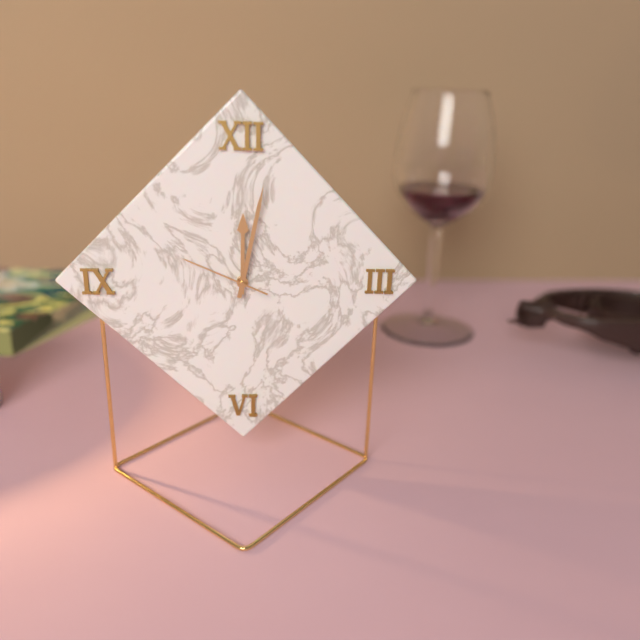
12h02m49s
